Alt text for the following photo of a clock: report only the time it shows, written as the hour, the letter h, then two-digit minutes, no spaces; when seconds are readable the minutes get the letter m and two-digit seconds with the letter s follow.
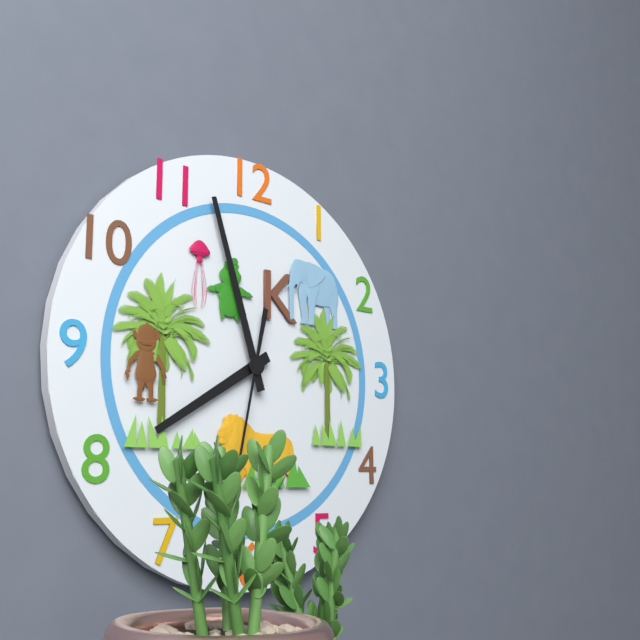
7h57
